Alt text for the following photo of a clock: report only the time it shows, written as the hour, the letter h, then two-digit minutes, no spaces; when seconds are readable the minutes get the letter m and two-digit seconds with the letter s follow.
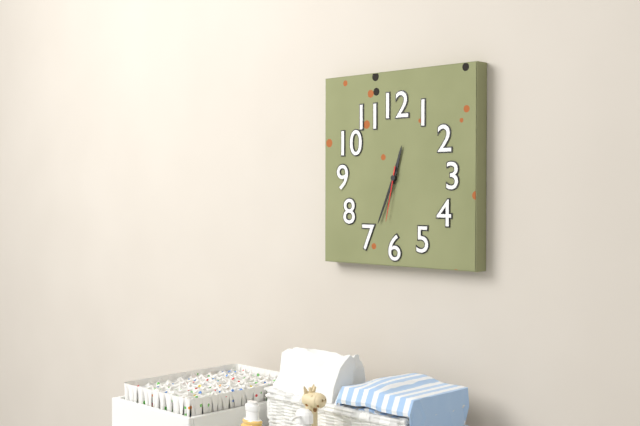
12h34m32s
